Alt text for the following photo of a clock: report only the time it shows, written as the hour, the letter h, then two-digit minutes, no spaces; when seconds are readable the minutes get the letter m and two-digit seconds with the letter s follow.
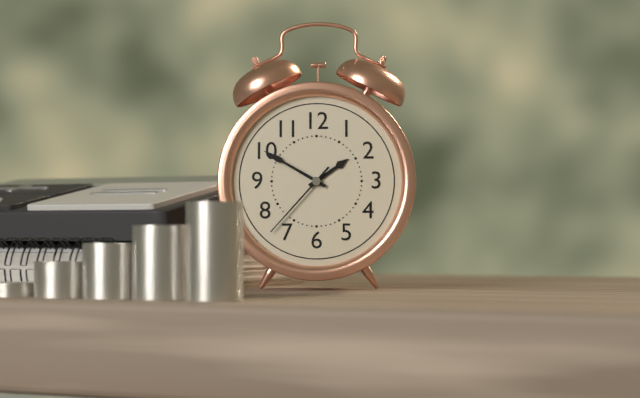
1h50m37s
